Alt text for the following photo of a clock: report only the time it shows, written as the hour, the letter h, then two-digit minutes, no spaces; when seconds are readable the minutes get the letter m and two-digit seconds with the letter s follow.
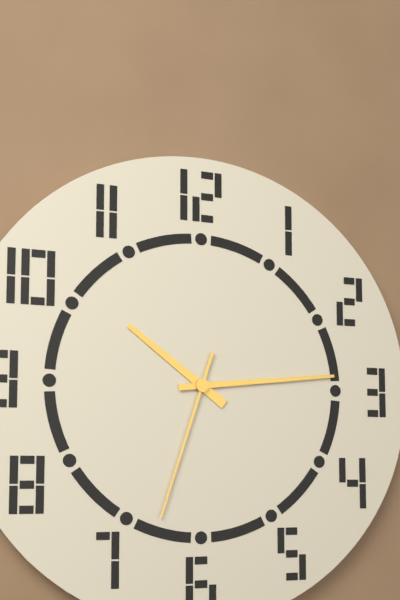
10h14m33s
